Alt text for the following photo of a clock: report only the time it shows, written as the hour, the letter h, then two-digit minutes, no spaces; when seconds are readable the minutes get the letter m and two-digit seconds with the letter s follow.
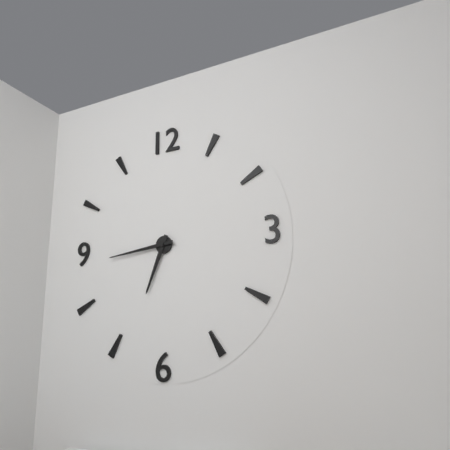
6h44
